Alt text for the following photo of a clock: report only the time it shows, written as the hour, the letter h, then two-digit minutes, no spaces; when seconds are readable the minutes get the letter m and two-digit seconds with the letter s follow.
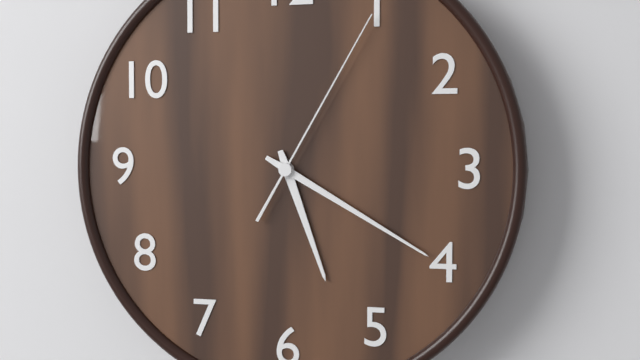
5h20m05s
